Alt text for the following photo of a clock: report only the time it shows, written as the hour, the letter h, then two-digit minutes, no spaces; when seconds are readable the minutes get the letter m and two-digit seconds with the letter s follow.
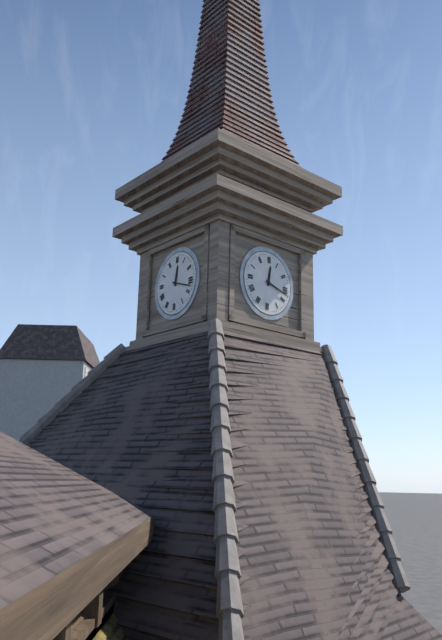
12h18
